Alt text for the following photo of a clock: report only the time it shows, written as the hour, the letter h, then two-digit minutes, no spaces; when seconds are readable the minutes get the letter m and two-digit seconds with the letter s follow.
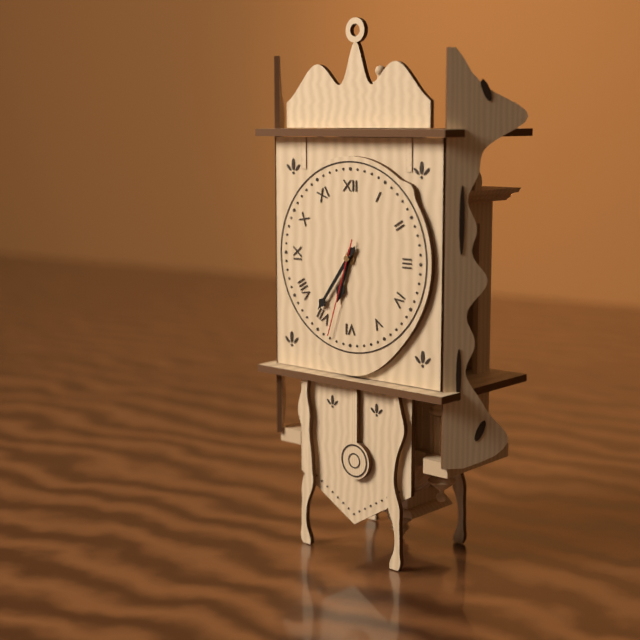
6h36m33s
